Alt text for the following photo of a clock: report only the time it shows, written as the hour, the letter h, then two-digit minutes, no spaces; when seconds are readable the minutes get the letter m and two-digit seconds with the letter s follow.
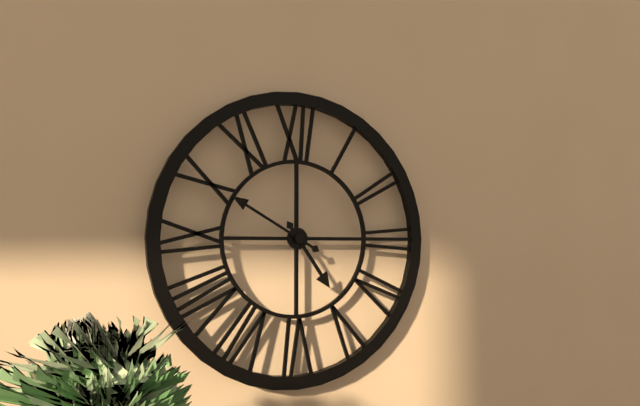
4h50
